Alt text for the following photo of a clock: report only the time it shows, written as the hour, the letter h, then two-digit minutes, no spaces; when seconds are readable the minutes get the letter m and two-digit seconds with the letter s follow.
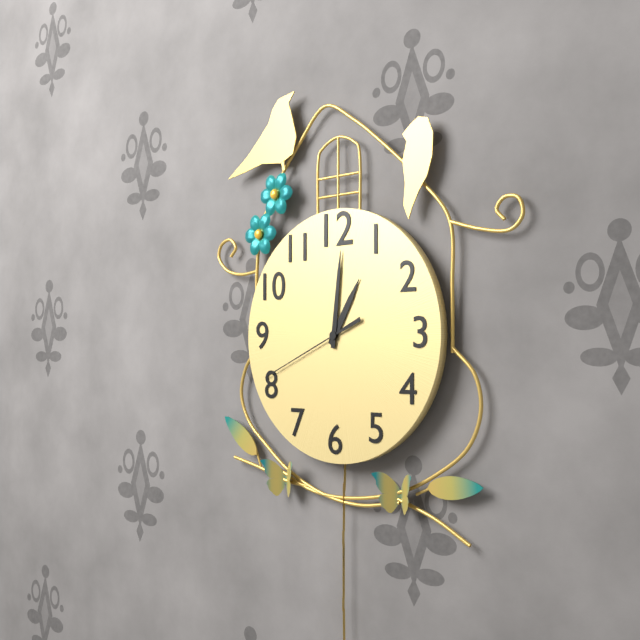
1h01m41s
